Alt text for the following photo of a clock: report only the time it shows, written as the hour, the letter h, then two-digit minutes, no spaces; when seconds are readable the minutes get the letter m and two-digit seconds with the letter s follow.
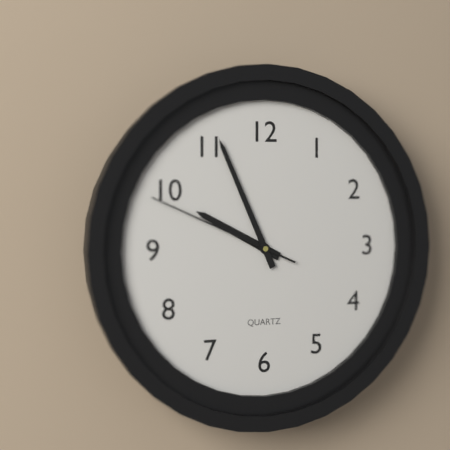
9h56m49s
